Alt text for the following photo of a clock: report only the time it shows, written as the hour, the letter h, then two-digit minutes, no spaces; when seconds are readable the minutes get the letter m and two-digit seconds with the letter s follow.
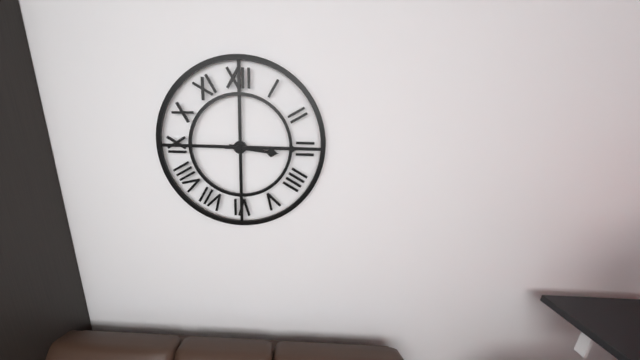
3h15
